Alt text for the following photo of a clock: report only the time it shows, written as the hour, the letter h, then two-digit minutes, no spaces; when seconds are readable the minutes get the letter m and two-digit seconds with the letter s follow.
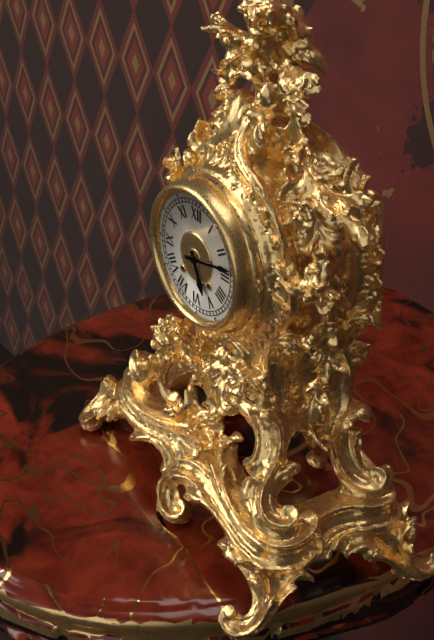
5h13
